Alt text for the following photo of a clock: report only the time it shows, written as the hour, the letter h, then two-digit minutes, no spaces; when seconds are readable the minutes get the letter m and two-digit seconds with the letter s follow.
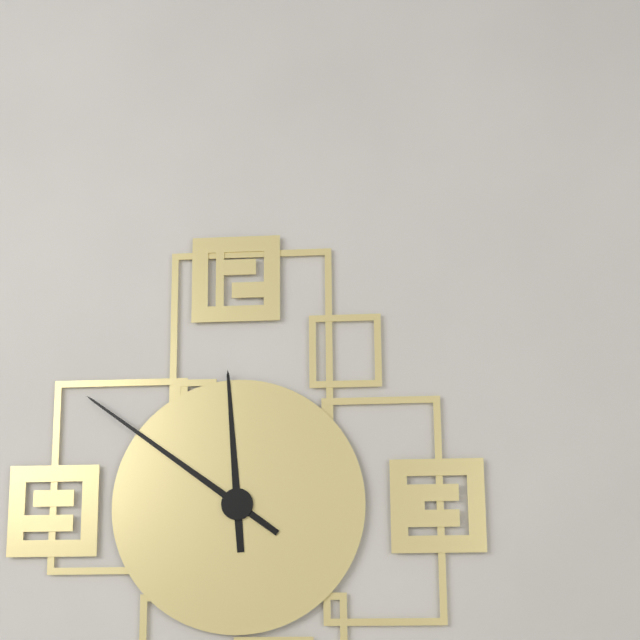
11h51
